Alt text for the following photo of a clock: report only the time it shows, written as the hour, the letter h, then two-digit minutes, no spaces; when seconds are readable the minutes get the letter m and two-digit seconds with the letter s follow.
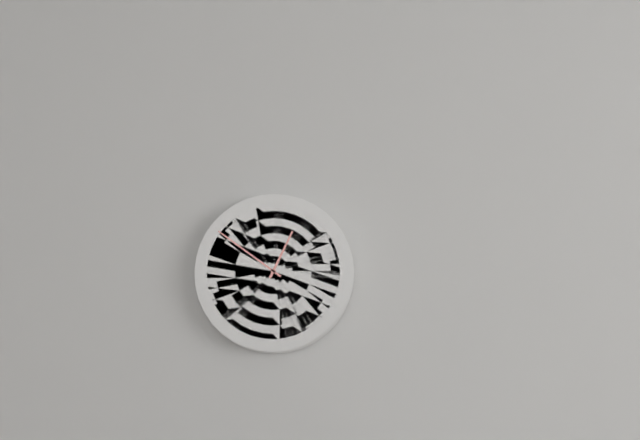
12h51
